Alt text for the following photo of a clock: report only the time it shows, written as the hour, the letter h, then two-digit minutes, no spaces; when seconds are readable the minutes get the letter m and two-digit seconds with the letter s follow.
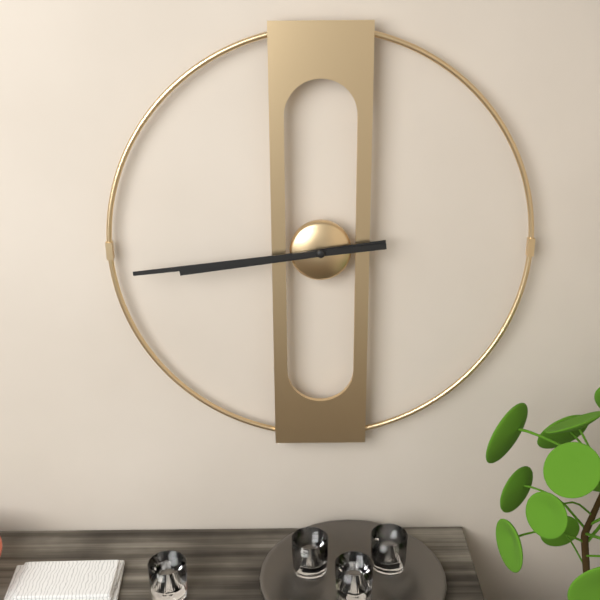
8h44
